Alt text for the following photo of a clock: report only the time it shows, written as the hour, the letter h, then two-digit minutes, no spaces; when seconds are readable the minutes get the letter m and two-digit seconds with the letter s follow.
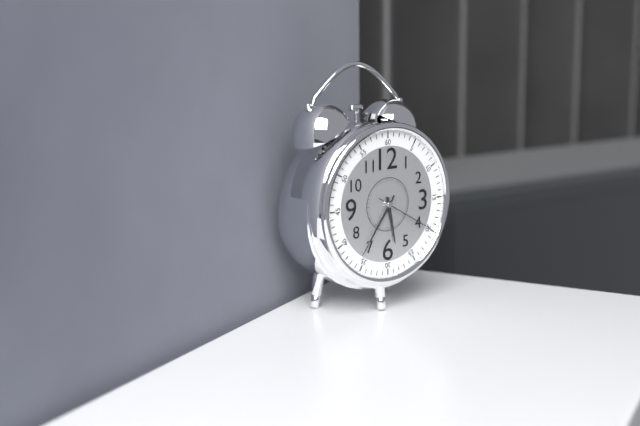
5h36m20s
